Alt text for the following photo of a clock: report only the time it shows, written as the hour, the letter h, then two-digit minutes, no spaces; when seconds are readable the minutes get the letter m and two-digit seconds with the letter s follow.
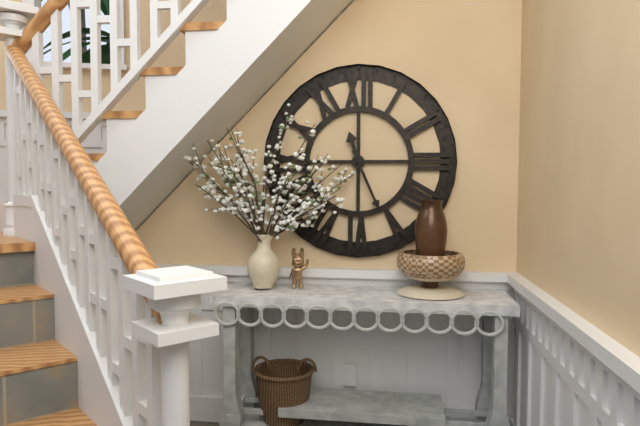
11h26
